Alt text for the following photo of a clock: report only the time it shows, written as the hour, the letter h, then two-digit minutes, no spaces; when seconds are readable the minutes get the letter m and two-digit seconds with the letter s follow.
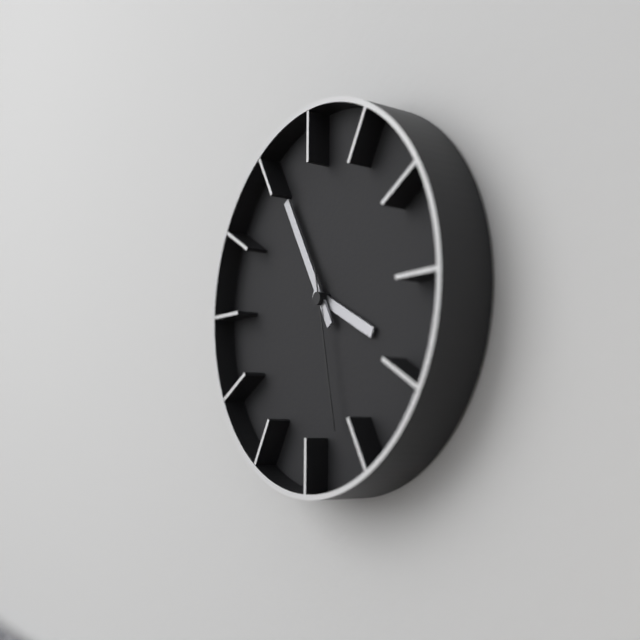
3h55m28s
